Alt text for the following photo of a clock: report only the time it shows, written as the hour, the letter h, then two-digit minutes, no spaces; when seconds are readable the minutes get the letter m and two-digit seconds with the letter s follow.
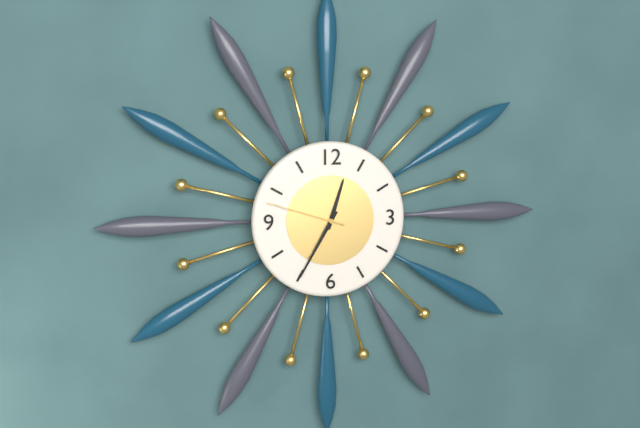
12h35m48s
